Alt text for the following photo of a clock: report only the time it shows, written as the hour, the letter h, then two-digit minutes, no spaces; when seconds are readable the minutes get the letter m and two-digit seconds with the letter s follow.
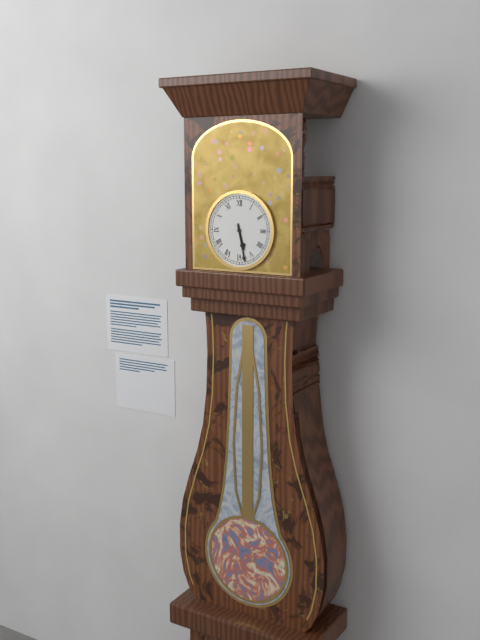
5h28
